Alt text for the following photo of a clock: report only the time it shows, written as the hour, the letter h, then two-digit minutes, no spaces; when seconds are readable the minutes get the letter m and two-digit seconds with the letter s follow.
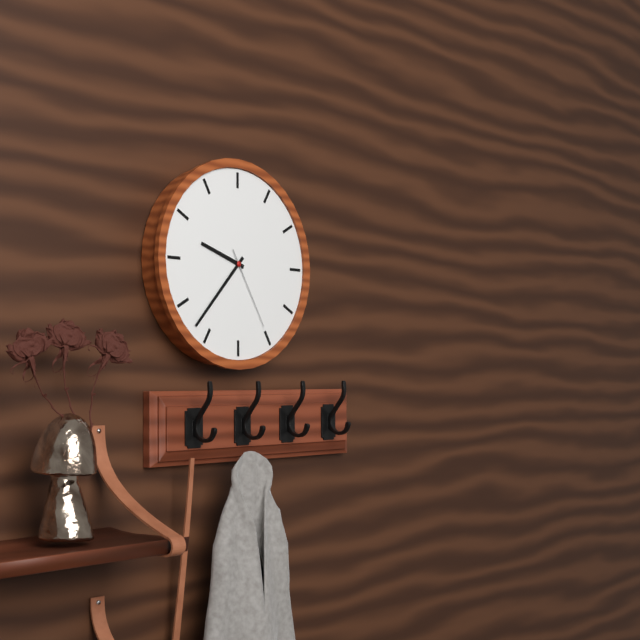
9h37m25s
